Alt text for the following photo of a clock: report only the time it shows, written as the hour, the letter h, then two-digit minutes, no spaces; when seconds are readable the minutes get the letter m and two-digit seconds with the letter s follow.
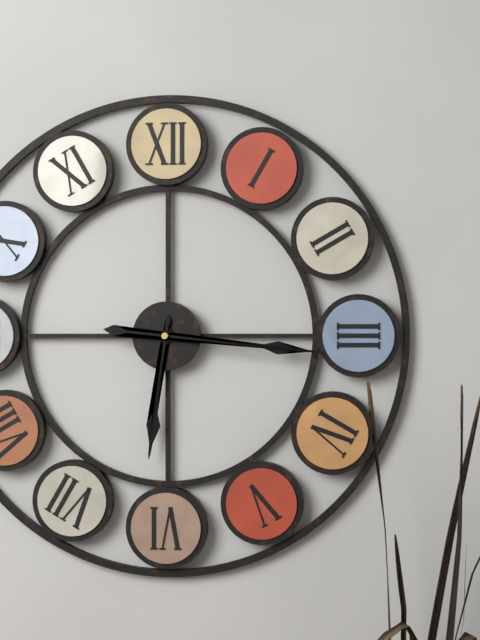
6h16
